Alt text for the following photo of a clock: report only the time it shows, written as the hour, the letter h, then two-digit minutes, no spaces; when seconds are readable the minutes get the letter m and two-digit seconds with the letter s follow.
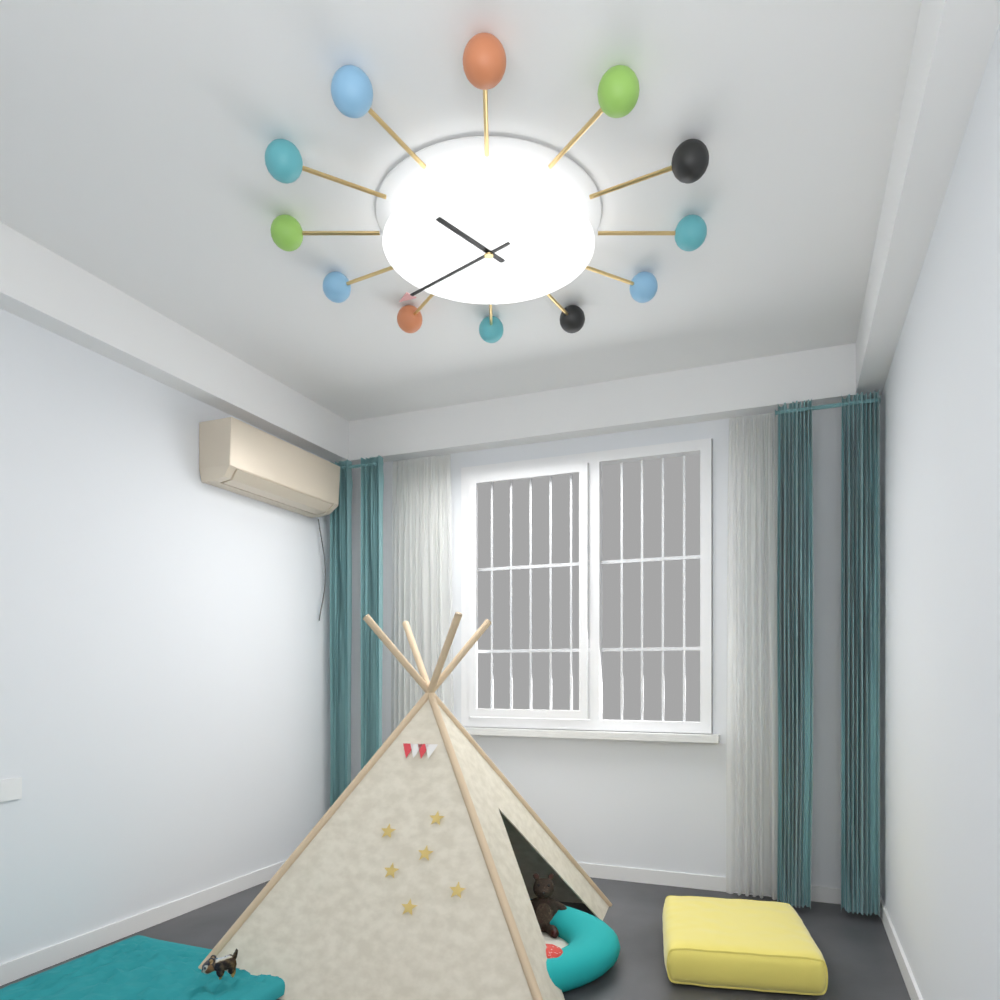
10h38
